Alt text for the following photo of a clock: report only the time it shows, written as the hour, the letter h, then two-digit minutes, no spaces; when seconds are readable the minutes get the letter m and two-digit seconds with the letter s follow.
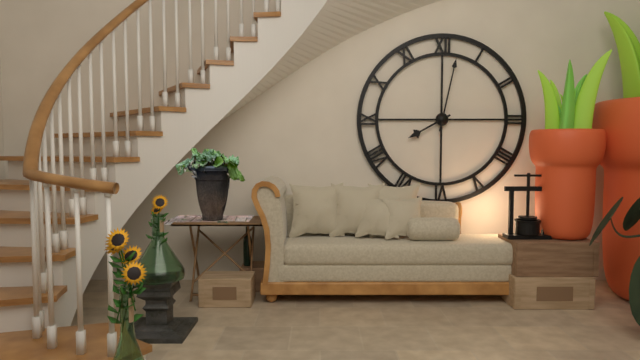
8h02
